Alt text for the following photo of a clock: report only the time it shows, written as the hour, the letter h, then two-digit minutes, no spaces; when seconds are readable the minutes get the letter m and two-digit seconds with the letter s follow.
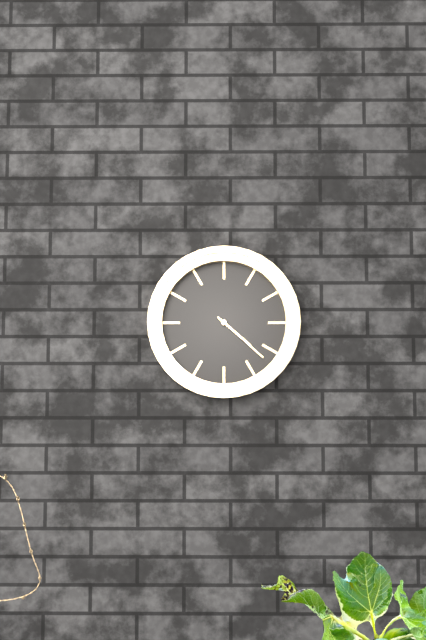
4h22
